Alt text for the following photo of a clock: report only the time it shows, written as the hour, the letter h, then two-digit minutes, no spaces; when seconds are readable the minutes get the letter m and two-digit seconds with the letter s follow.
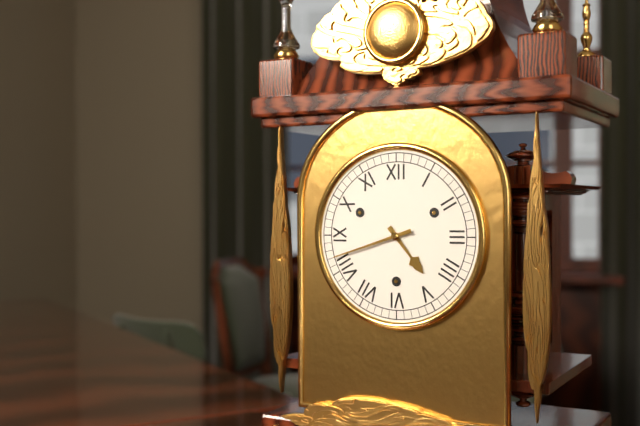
4h42
